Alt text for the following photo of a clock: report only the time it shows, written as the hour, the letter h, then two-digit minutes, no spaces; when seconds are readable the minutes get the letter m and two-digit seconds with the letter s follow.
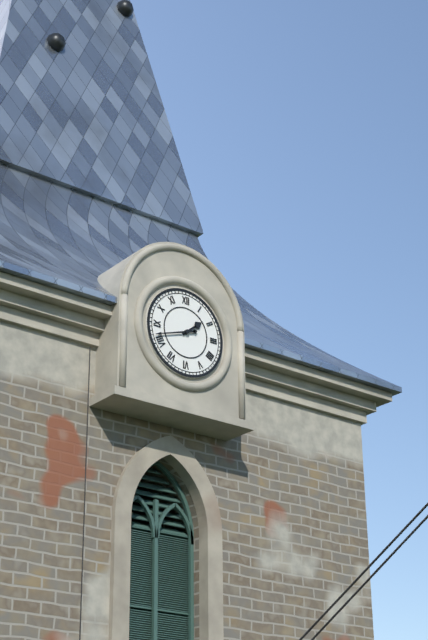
1h42
